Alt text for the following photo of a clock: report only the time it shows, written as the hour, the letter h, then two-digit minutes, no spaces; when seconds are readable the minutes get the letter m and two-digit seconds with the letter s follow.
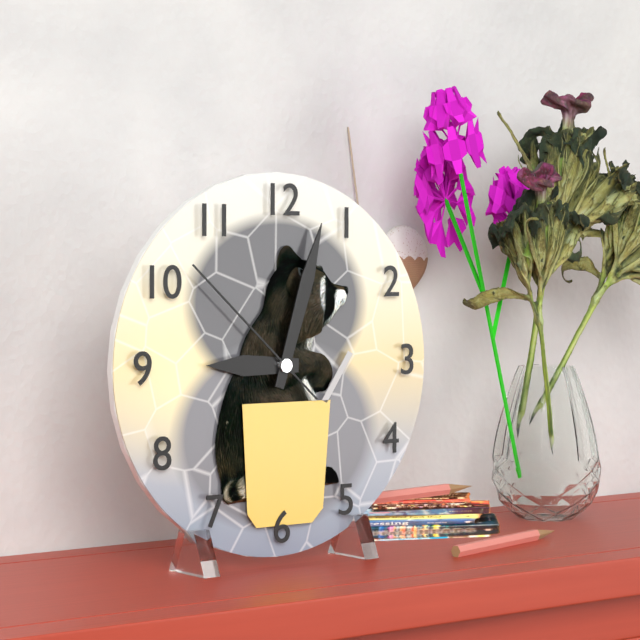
9h03m52s
